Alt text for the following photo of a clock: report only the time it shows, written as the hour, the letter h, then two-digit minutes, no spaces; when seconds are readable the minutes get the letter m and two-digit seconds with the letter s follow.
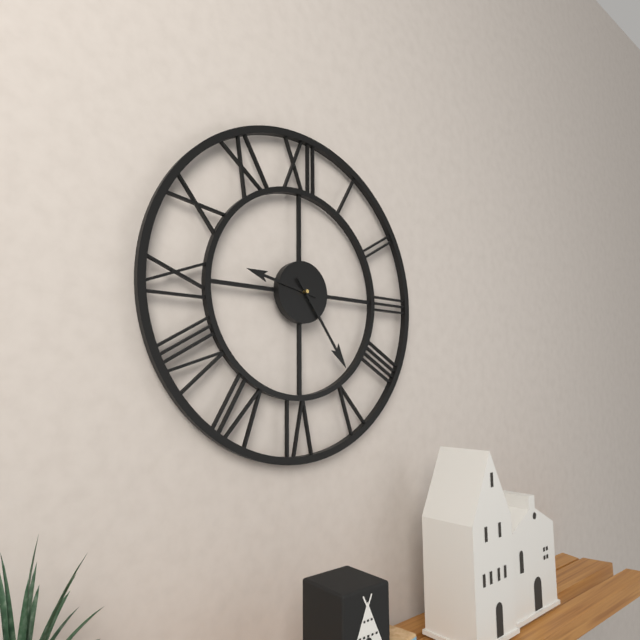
9h24
